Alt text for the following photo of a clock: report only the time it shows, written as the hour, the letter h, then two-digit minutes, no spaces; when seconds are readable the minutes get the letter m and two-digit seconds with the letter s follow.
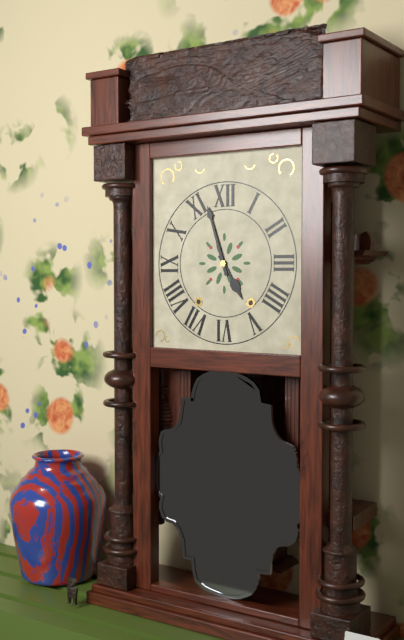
4h57
